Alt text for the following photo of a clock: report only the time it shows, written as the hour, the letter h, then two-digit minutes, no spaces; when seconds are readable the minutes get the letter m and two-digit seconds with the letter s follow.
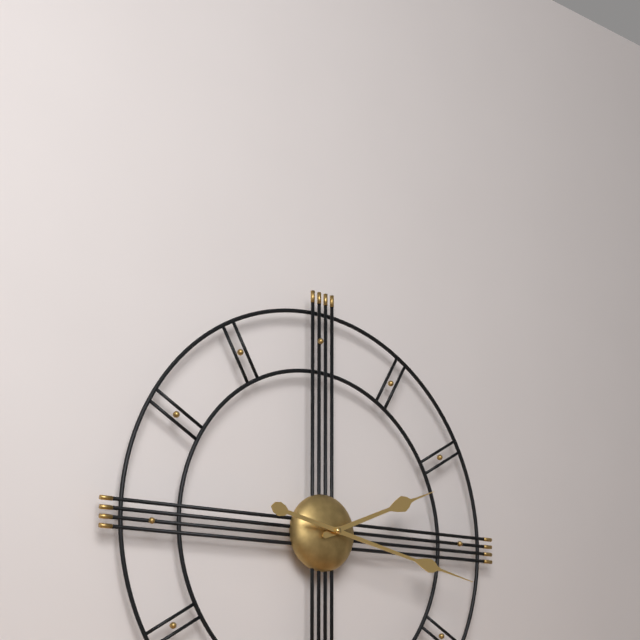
2h17
